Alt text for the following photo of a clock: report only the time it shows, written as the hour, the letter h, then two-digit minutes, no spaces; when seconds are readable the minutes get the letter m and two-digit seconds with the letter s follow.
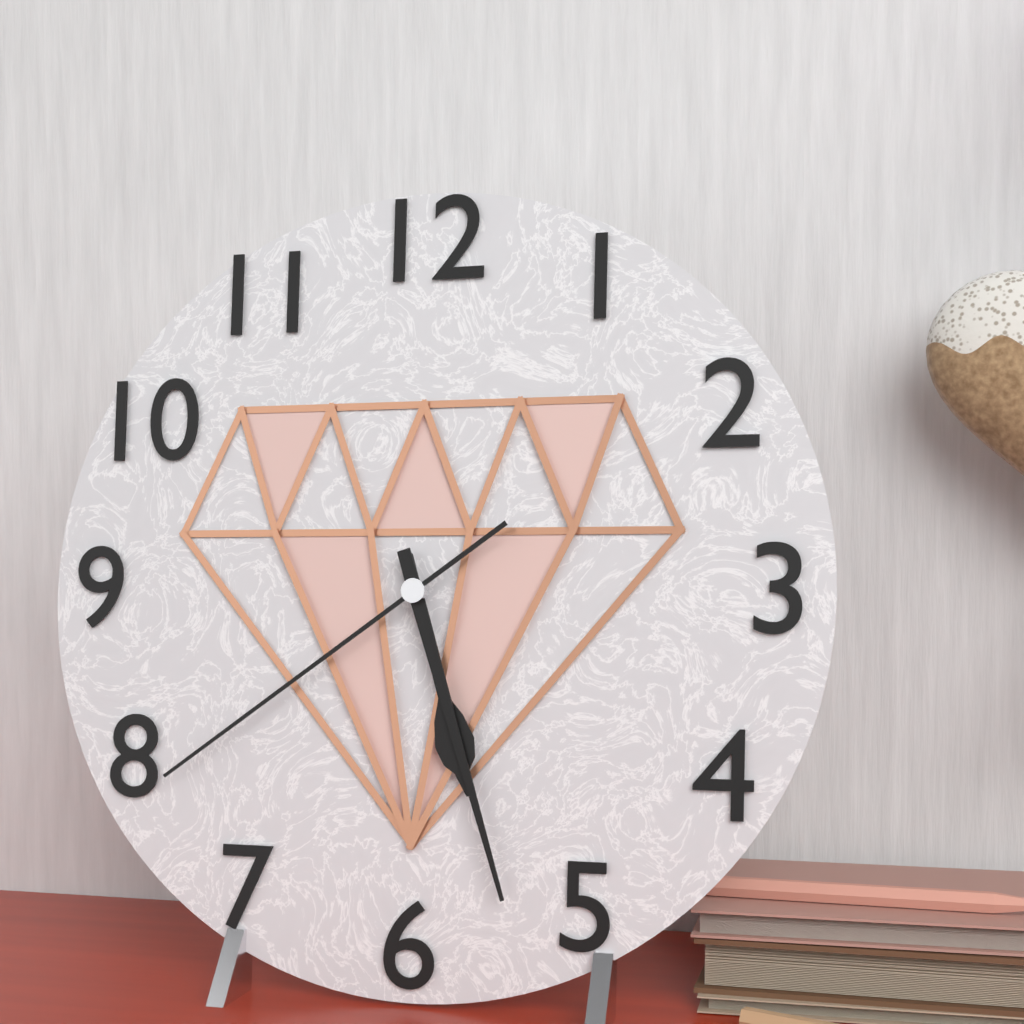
5h27m39s
